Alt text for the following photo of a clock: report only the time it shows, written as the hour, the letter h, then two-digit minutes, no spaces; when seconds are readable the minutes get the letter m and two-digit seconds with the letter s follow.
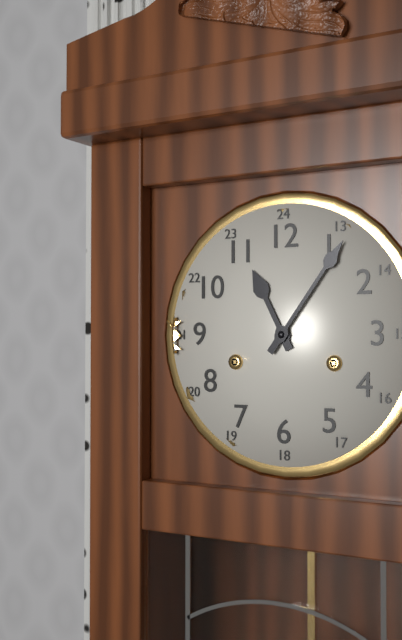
11h06
